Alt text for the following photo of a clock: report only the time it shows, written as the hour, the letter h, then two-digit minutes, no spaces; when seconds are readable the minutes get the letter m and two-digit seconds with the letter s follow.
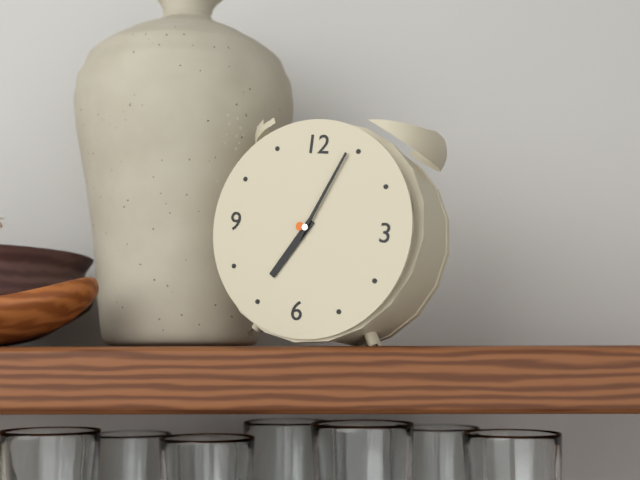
7h04
